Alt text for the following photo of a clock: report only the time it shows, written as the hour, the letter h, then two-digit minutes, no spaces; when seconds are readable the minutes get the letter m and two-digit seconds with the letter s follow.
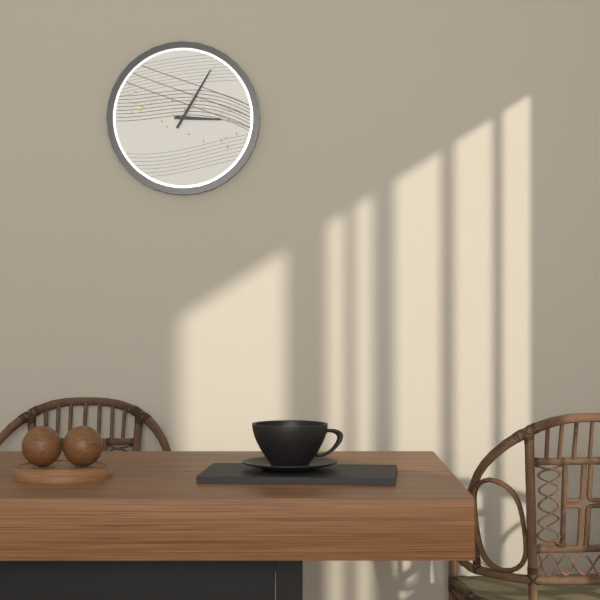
3h05
